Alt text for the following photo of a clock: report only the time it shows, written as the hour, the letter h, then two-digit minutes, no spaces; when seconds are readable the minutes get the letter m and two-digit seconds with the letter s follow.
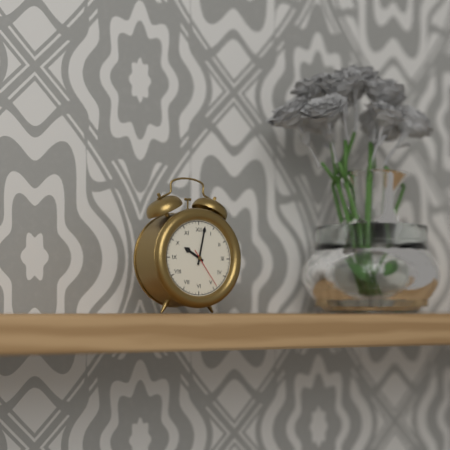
10h02
